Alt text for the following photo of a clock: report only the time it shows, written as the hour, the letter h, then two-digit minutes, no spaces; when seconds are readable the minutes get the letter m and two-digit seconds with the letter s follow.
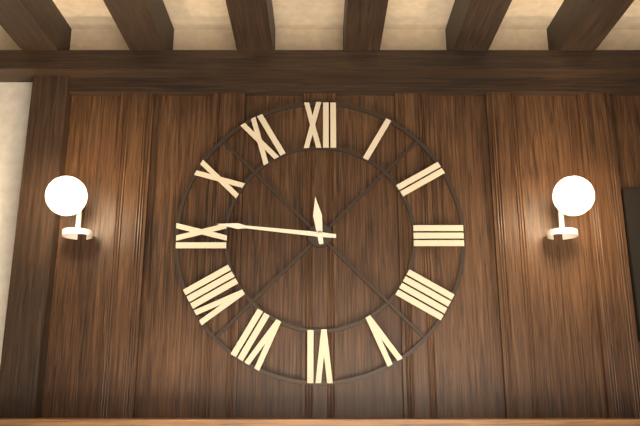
11h46
